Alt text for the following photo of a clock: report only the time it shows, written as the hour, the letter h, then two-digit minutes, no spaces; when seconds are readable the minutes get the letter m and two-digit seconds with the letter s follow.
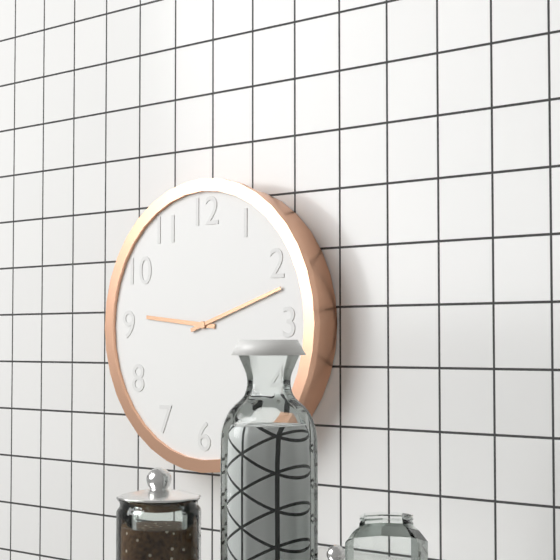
9h12
